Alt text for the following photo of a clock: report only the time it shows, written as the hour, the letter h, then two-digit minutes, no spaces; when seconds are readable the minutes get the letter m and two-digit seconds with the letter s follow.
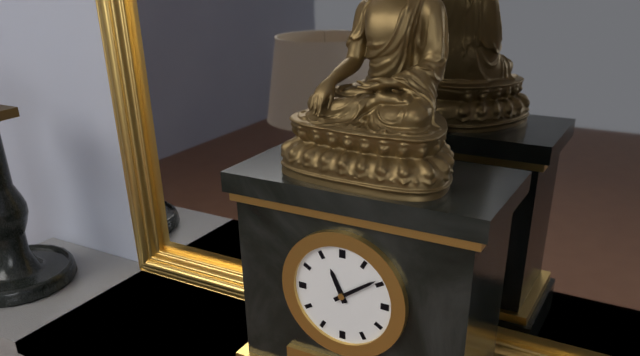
11h09
